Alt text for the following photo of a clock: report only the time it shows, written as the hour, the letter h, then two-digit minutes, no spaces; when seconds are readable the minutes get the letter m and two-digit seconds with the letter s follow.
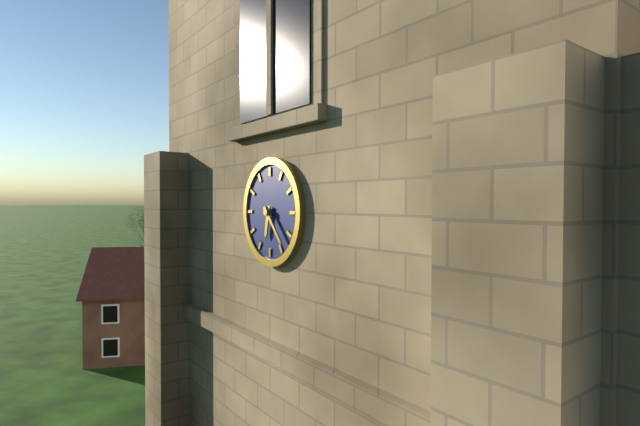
6h23
